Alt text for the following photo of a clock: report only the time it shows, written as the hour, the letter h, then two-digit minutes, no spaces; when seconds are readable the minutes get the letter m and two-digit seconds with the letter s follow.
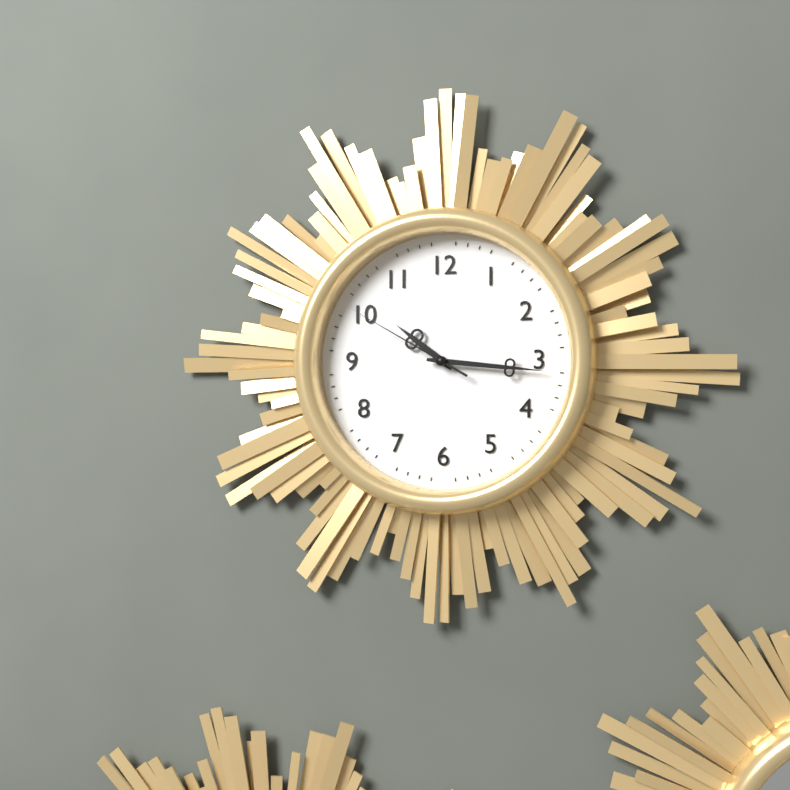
10h16m50s
